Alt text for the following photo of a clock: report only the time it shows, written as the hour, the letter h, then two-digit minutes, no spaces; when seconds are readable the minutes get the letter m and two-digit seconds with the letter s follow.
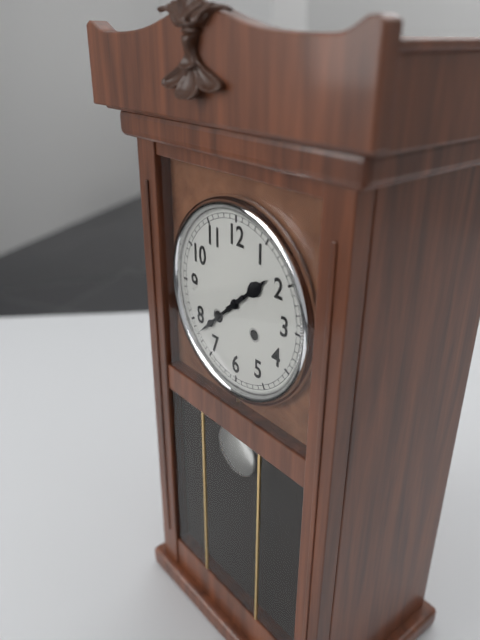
1h38
